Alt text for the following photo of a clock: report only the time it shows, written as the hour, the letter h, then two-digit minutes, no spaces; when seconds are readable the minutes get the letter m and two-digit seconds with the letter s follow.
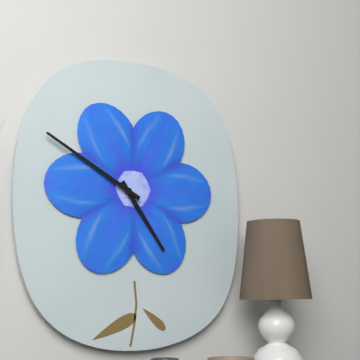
4h50
